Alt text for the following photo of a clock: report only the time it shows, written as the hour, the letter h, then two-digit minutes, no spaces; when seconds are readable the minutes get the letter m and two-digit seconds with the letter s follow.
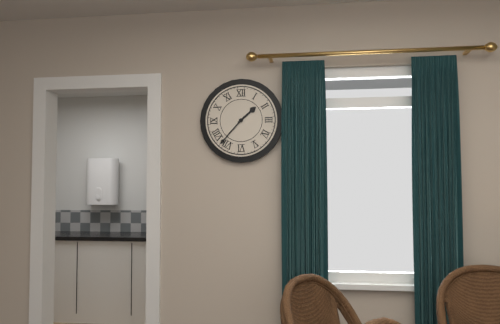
1h37
